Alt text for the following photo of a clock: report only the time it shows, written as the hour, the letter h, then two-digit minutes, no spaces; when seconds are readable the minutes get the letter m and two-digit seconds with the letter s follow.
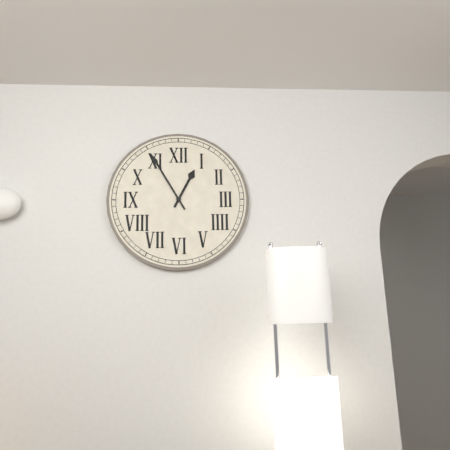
12h55
